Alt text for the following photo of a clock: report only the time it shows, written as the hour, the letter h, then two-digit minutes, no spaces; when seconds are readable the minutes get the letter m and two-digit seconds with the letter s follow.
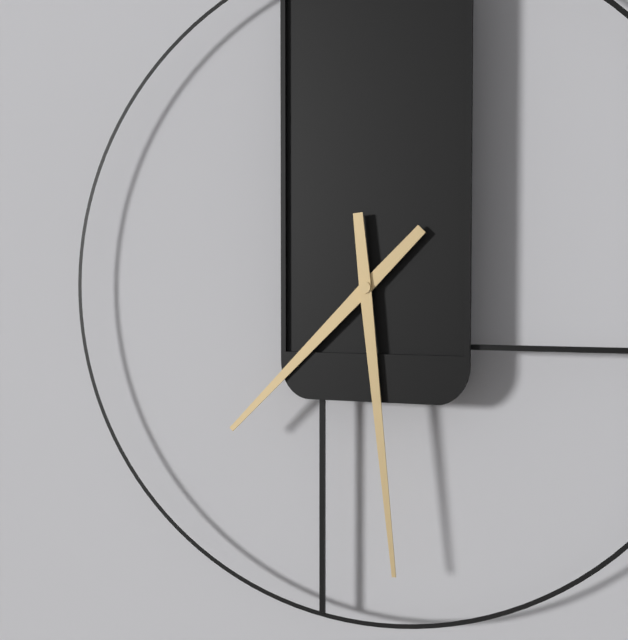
7h29
